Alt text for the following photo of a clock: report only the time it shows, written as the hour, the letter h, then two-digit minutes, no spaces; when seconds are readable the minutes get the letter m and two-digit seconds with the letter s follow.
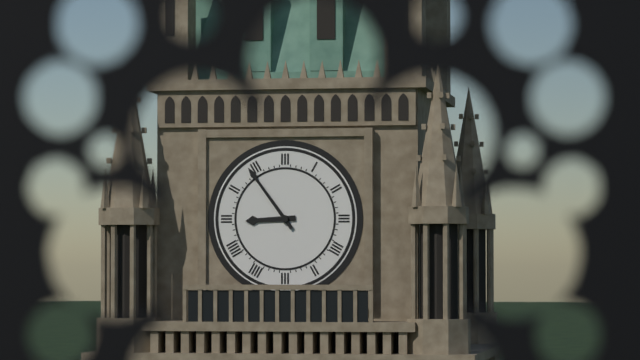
8h54
